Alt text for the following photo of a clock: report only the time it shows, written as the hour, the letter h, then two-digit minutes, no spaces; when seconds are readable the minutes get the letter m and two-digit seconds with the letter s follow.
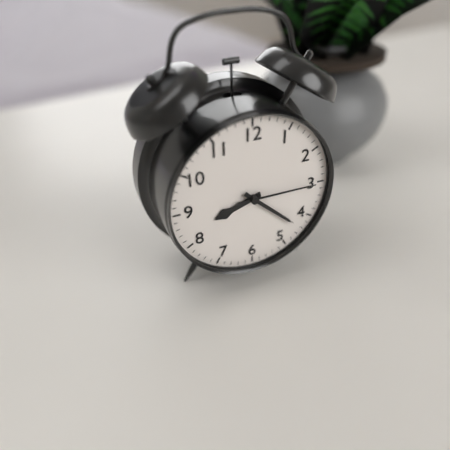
8h22m15s
